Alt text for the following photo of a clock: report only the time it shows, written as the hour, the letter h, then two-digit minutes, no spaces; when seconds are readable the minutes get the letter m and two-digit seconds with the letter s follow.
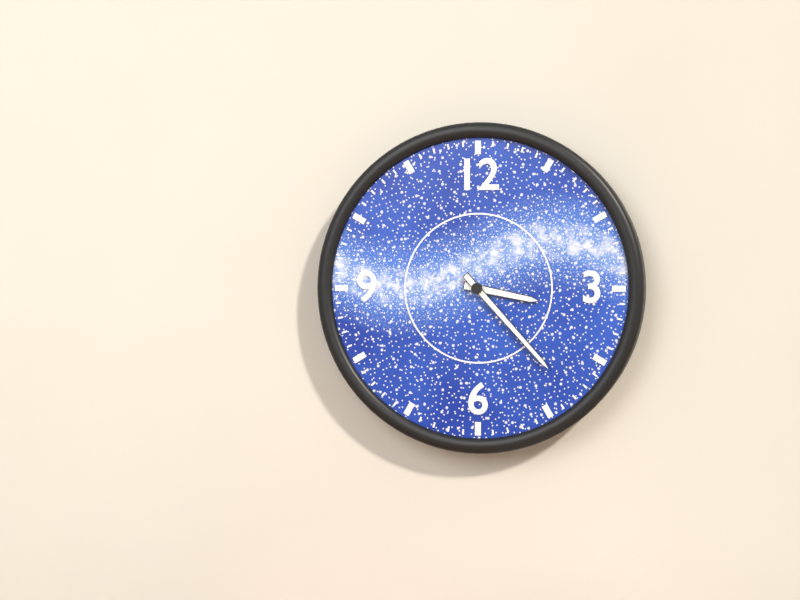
3h23
